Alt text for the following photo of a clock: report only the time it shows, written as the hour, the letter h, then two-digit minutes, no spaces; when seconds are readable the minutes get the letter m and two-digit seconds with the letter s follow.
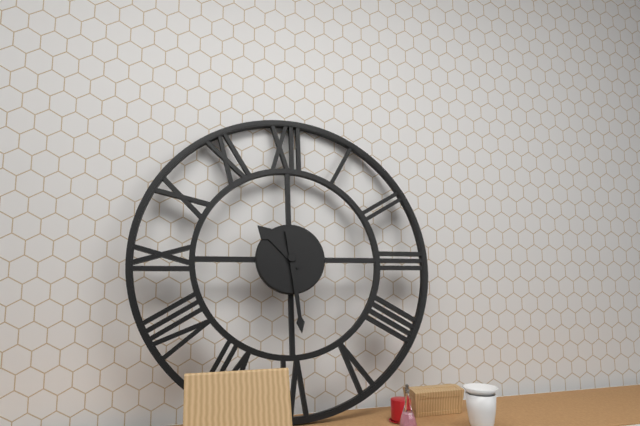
10h29
